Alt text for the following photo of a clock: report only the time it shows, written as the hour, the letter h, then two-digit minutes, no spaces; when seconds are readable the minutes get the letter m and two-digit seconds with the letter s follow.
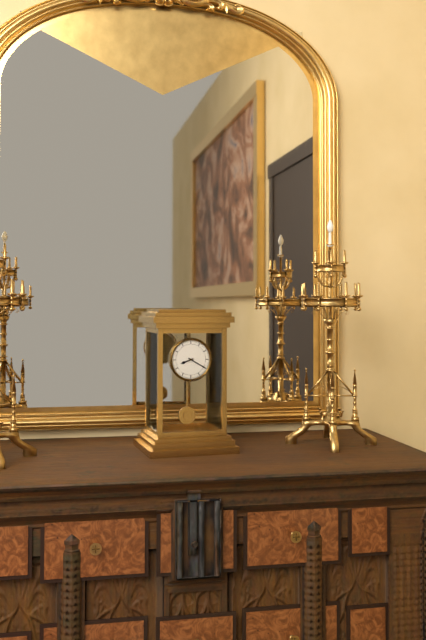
8h20
